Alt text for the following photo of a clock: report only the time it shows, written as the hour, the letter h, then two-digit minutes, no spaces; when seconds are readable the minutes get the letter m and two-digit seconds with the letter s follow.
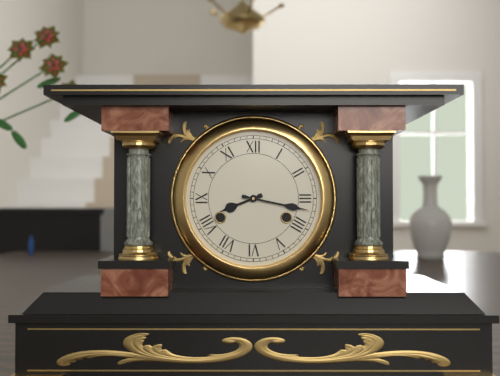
8h17
